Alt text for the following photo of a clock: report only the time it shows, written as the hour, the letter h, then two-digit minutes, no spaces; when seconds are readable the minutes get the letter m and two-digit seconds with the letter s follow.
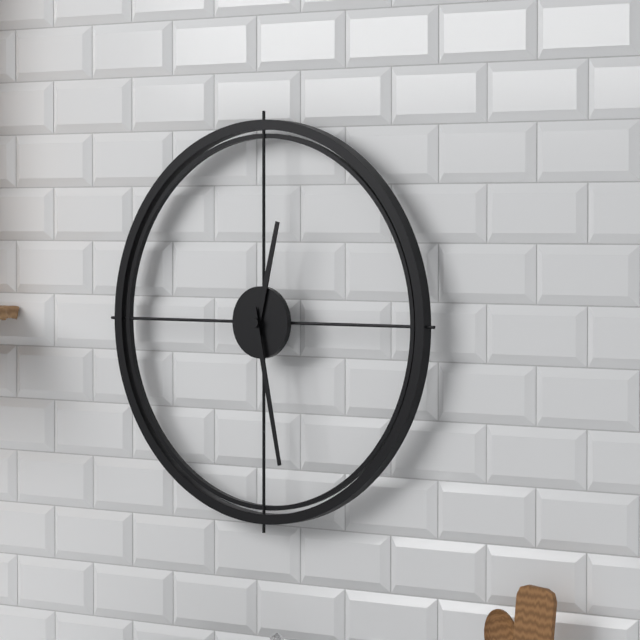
12h28
